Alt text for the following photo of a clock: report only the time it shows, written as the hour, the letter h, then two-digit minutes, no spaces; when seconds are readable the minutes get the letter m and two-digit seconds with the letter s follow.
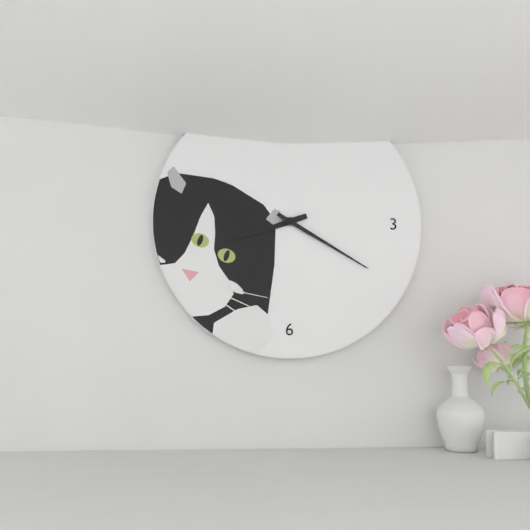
8h20
